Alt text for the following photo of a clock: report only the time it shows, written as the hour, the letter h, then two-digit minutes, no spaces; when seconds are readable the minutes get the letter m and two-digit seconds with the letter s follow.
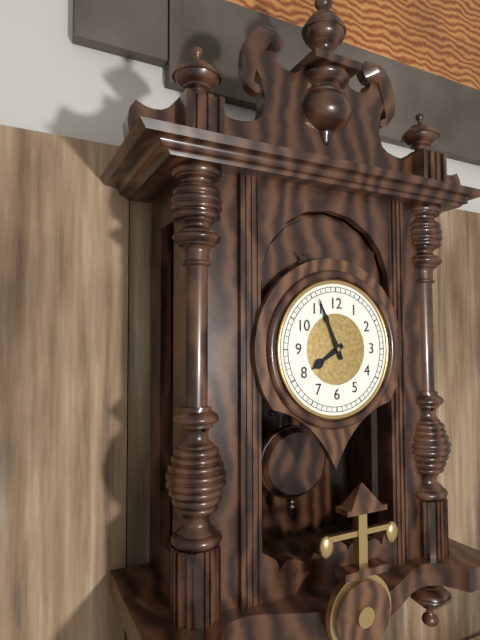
7h56
